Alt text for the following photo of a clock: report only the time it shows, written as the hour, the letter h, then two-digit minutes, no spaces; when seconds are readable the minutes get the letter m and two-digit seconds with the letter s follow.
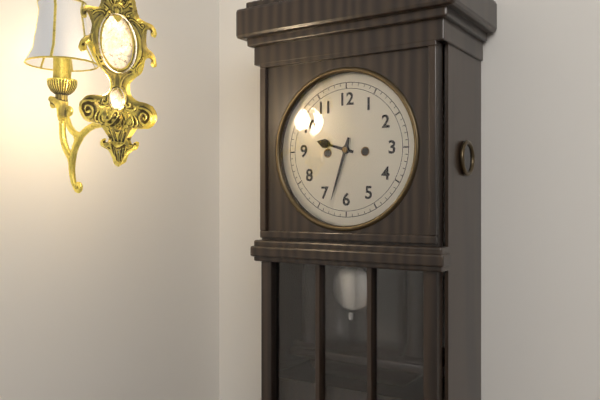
9h33
